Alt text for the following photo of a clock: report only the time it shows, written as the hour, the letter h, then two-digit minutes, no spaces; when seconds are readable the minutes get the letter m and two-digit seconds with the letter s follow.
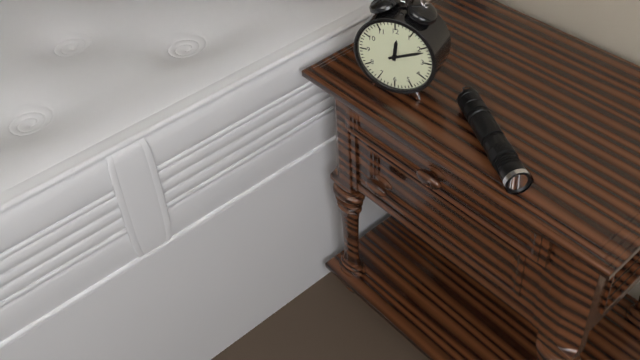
12h11
